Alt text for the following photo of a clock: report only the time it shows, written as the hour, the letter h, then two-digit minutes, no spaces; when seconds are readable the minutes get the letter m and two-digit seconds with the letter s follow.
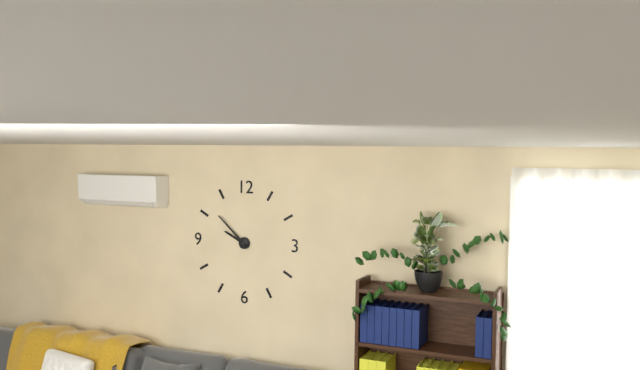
9h52
